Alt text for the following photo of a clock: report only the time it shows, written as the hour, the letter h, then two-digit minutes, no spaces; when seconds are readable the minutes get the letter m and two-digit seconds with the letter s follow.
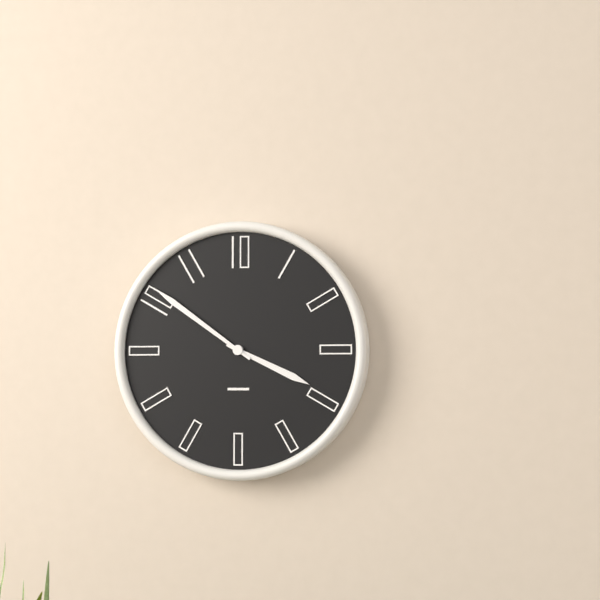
3h51
